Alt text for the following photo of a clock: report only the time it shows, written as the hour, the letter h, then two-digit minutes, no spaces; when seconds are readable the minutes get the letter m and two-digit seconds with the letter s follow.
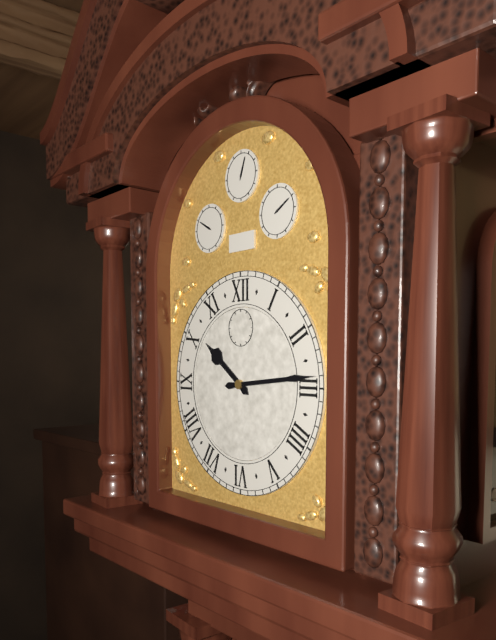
10h14
